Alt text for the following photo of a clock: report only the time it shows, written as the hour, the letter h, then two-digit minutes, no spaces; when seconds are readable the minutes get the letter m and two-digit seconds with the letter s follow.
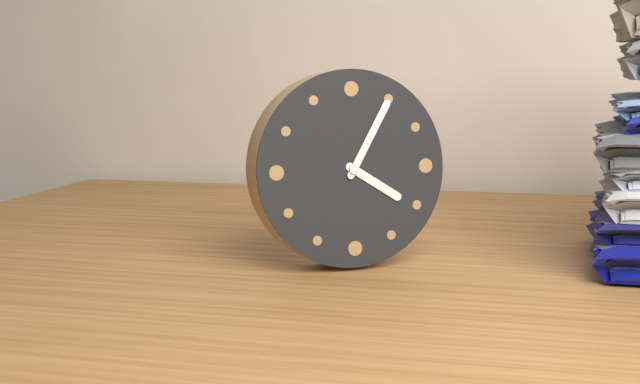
4h05
